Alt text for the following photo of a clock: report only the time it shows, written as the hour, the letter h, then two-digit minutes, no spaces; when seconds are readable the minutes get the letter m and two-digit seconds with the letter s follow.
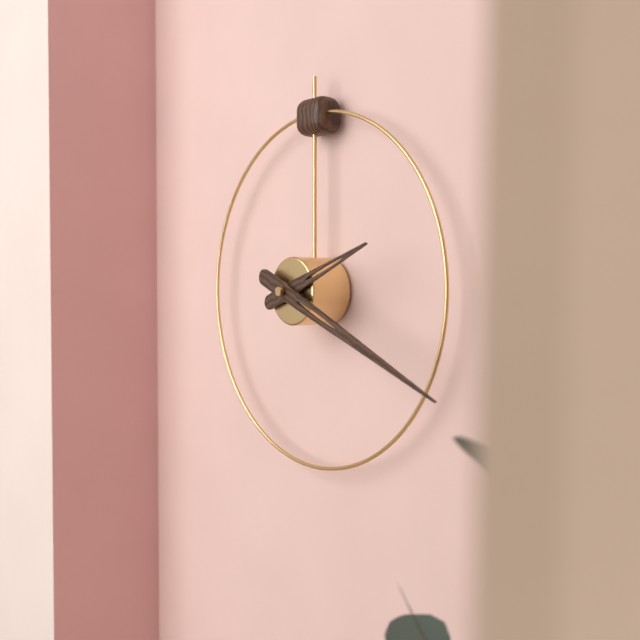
2h19
